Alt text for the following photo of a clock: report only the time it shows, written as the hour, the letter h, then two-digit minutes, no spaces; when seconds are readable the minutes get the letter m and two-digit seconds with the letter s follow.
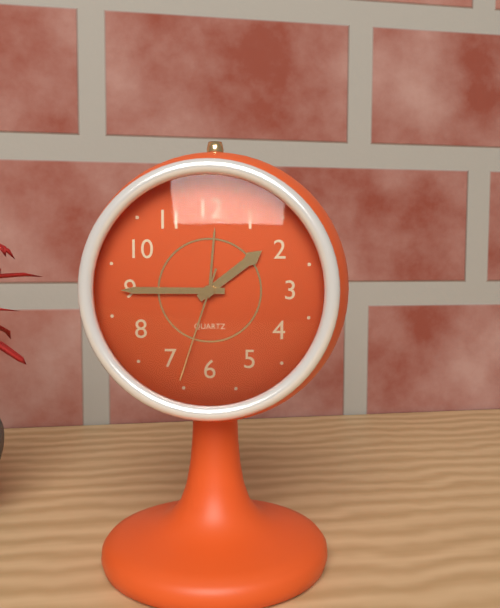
1h45m33s
